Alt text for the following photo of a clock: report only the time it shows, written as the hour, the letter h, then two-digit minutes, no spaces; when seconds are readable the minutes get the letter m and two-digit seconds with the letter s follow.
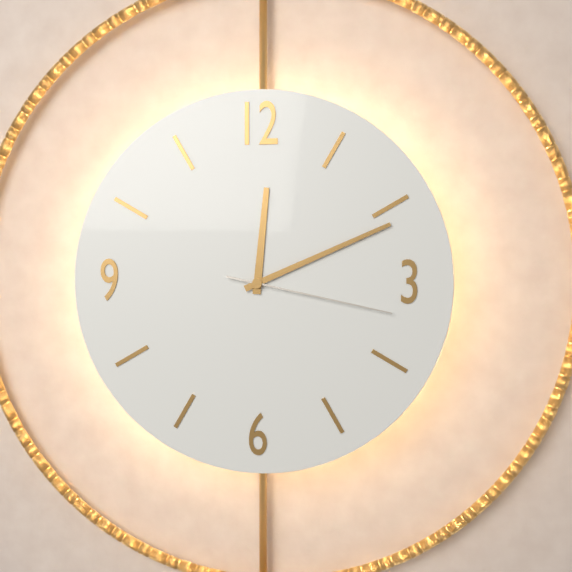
12h11m17s
